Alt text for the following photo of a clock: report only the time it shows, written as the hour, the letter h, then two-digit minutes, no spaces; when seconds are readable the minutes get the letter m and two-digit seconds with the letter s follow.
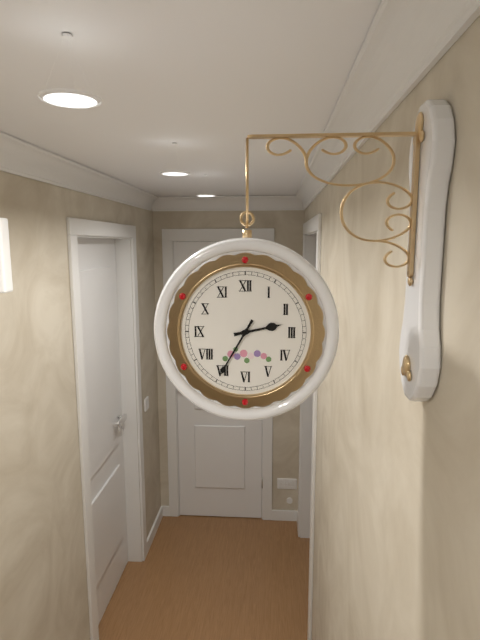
2h35
